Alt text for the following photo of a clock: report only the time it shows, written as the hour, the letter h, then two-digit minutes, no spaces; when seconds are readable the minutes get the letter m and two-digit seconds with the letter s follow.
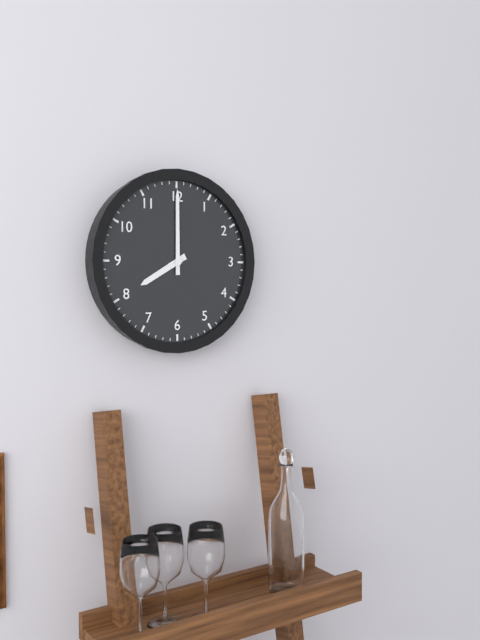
8h00
